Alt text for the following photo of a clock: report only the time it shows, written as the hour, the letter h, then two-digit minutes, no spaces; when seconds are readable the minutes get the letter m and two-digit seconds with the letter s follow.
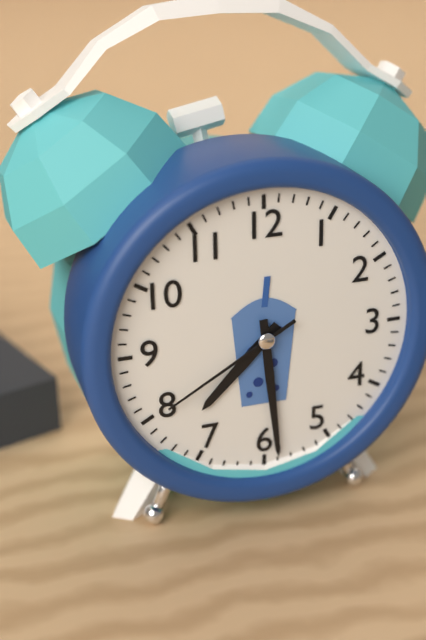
7h29m40s
